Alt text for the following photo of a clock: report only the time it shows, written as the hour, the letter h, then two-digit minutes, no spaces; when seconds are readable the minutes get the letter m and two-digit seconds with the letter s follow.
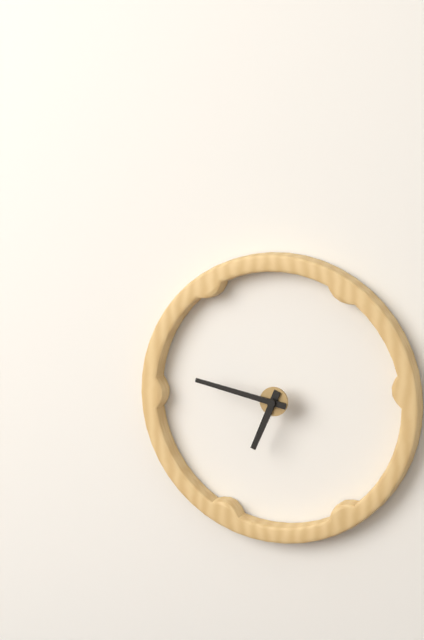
6h47
